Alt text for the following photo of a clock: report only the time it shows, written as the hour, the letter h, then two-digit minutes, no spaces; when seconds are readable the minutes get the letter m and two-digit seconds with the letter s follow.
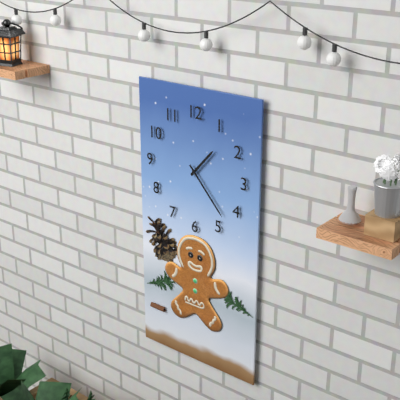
1h23
